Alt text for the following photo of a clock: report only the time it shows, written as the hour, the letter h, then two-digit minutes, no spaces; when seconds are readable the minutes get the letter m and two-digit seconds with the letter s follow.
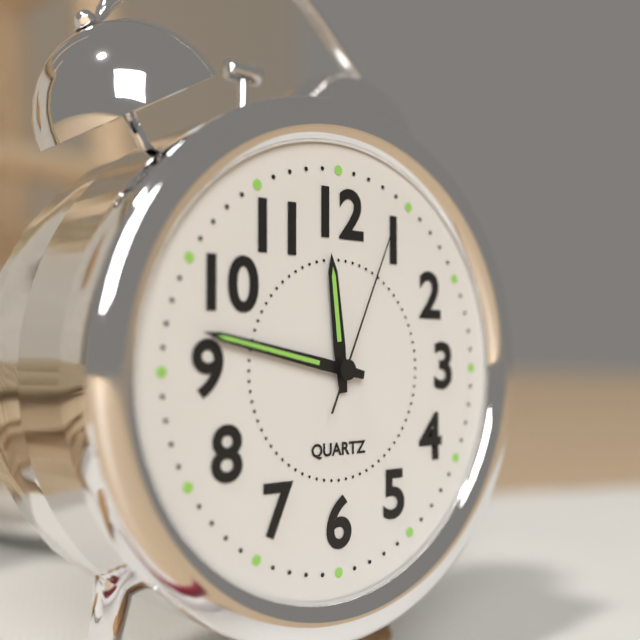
11h47m04s
